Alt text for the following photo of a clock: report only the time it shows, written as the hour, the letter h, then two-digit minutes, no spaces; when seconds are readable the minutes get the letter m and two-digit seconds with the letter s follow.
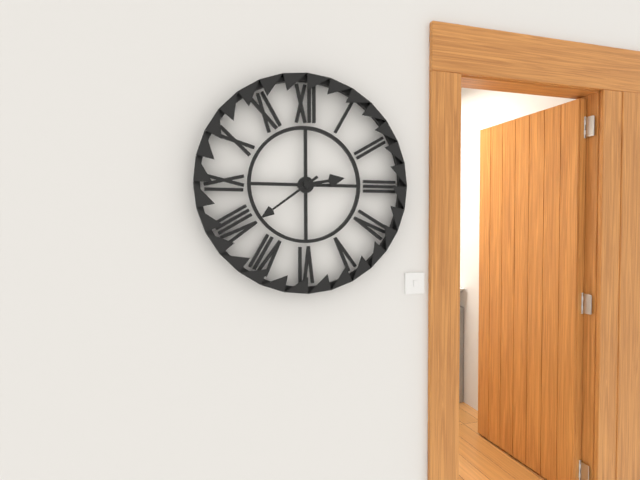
2h39
